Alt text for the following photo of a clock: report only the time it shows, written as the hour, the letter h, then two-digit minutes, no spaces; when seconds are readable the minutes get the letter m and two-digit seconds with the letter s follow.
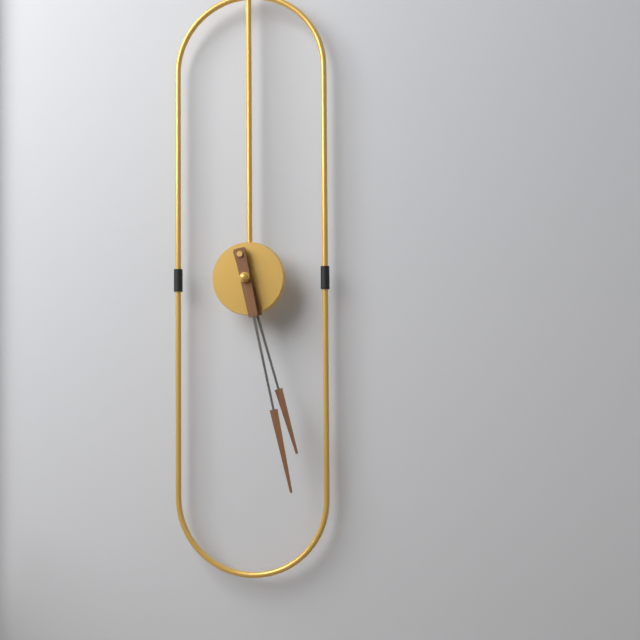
5h28
